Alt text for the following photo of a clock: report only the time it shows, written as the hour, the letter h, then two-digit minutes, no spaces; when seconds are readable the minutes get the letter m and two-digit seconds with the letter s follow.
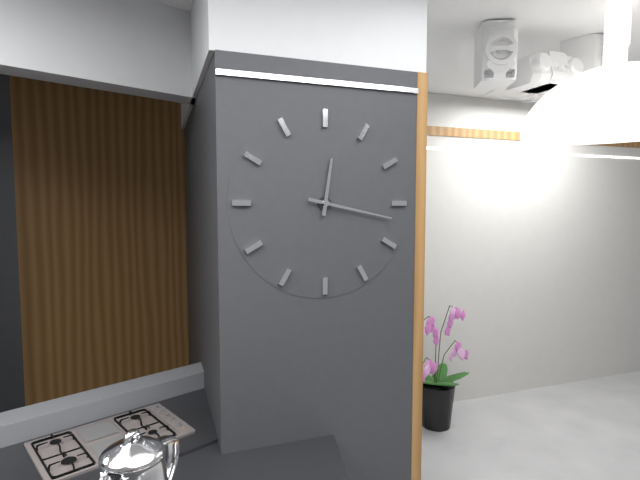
12h17
